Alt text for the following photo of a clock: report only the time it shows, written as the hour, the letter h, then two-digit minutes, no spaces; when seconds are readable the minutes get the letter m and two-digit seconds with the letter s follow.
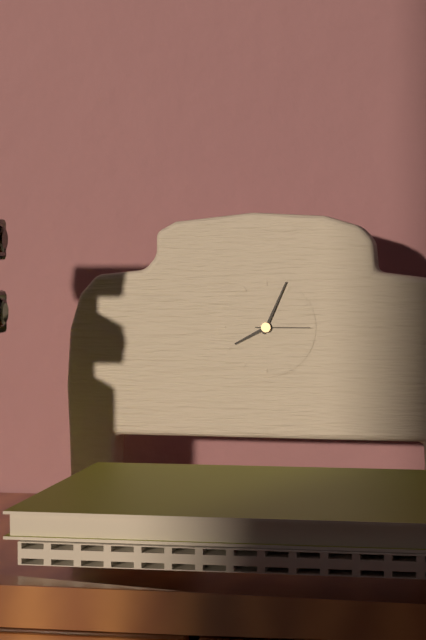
8h04m15s
